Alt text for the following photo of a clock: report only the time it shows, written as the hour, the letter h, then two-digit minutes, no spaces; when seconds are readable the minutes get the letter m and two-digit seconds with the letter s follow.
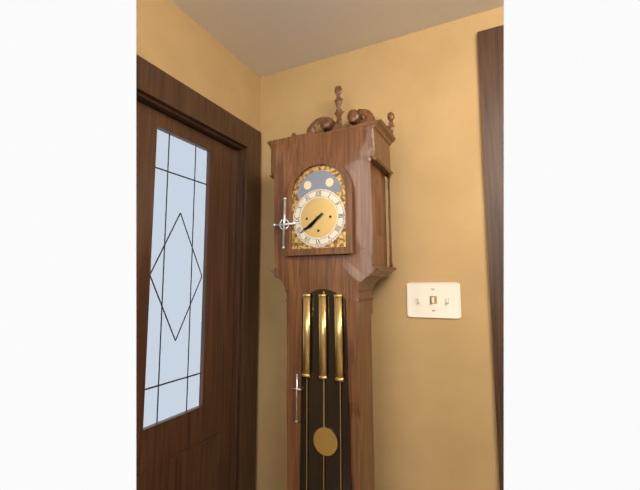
7h39
